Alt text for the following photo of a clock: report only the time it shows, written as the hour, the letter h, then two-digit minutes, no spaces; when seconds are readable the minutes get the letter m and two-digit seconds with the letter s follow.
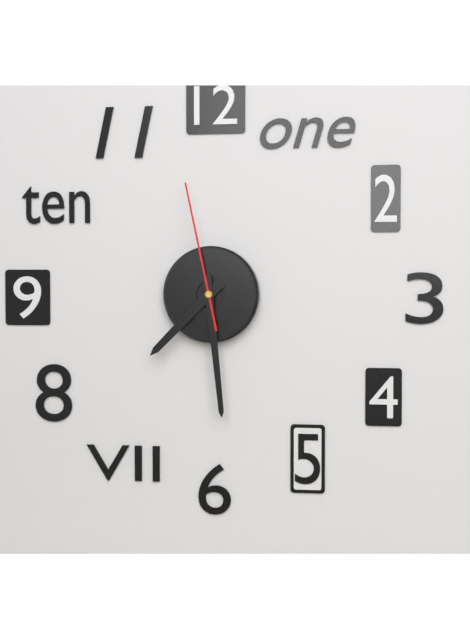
7h29m58s
